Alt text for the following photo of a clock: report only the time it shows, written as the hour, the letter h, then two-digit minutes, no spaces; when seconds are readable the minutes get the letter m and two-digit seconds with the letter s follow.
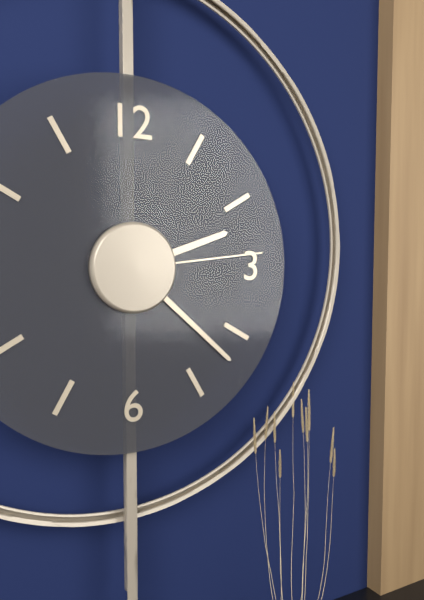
2h22m14s
